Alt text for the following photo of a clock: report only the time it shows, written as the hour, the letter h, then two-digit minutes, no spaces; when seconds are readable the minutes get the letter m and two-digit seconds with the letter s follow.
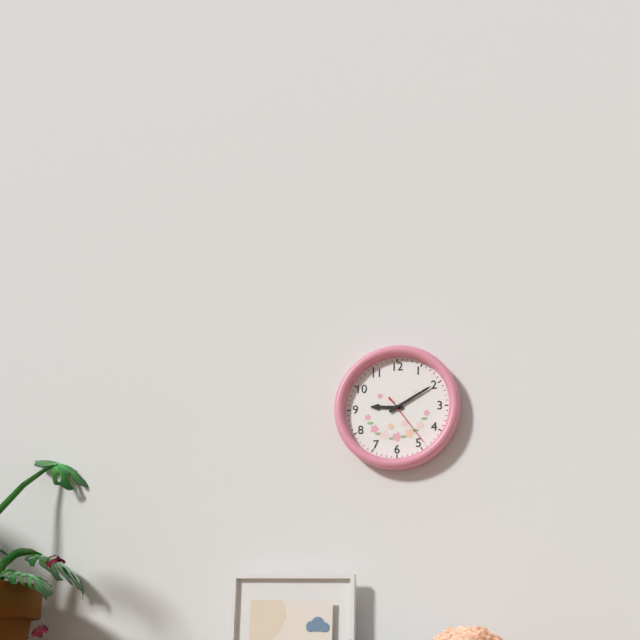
9h10m24s
